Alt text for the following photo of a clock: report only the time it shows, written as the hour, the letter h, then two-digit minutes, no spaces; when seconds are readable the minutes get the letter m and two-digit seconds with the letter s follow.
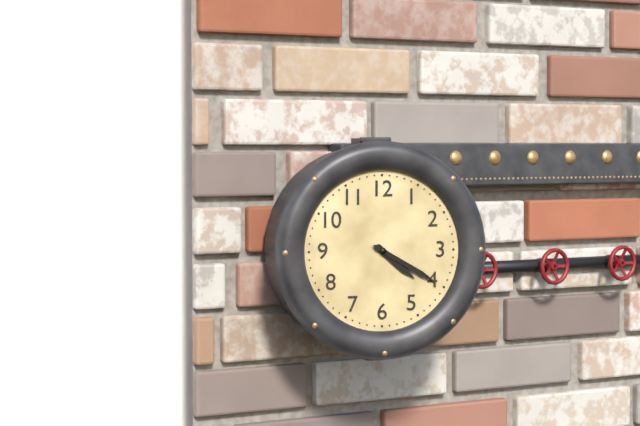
4h20
